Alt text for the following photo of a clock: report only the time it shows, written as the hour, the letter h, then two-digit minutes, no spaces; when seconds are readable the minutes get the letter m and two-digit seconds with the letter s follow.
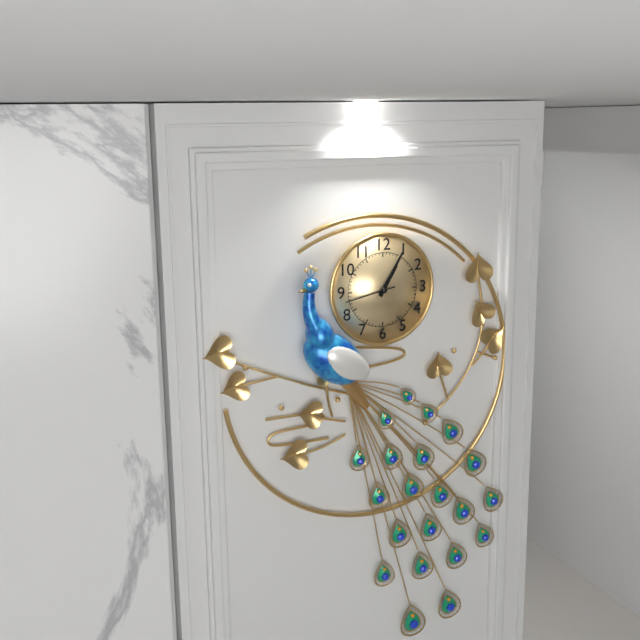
1h05
